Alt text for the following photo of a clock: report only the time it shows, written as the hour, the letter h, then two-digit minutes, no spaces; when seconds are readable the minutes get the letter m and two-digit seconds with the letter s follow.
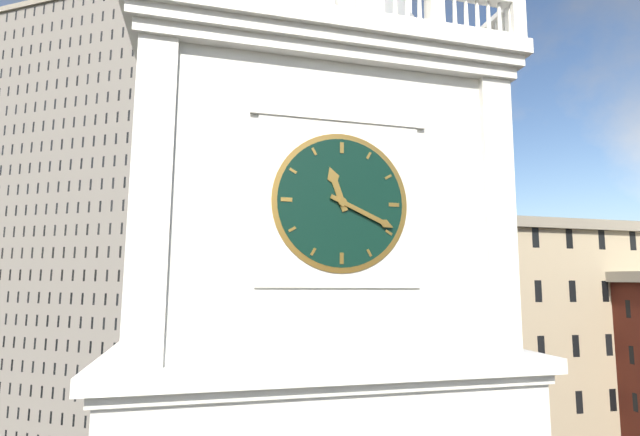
11h19
